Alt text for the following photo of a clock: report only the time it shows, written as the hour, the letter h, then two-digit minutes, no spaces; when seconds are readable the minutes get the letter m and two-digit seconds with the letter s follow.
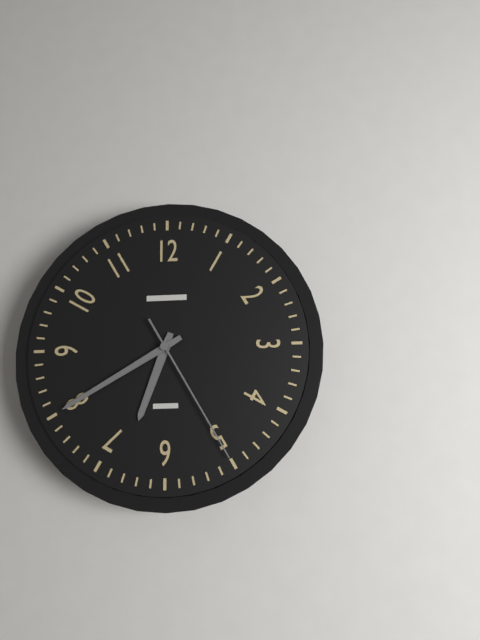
6h40m25s
